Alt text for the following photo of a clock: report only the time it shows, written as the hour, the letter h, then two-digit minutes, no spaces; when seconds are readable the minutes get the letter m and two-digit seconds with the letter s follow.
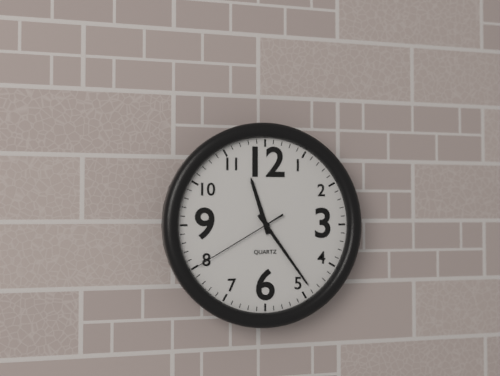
11h24m40s
